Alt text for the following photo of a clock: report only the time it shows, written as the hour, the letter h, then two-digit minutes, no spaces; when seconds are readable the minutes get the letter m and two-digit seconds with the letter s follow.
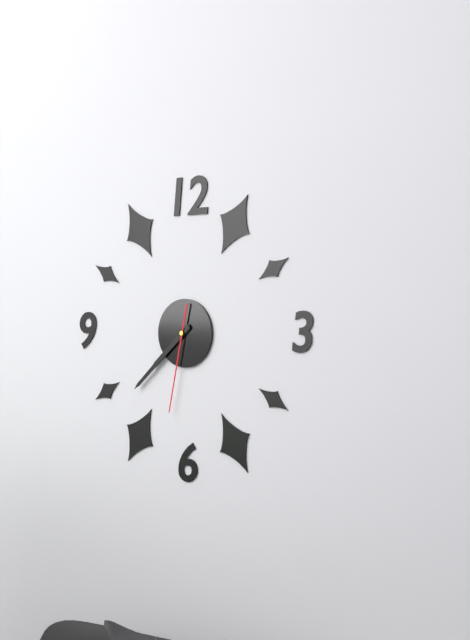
7h38m32s
